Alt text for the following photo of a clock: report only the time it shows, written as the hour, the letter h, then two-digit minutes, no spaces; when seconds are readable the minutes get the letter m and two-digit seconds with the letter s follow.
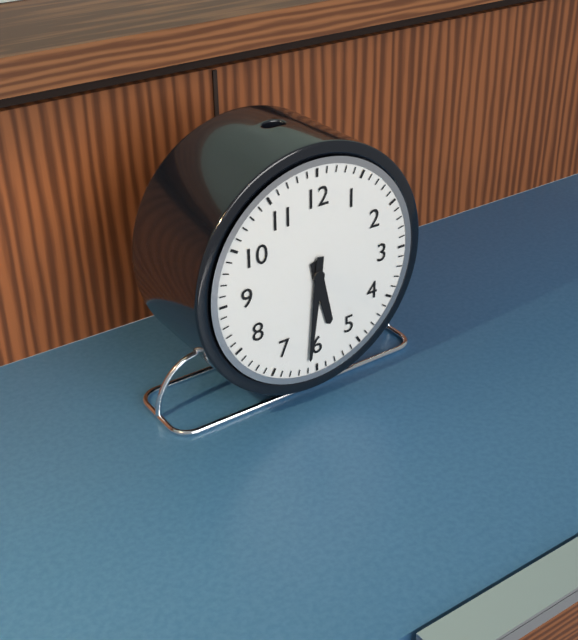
5h31
